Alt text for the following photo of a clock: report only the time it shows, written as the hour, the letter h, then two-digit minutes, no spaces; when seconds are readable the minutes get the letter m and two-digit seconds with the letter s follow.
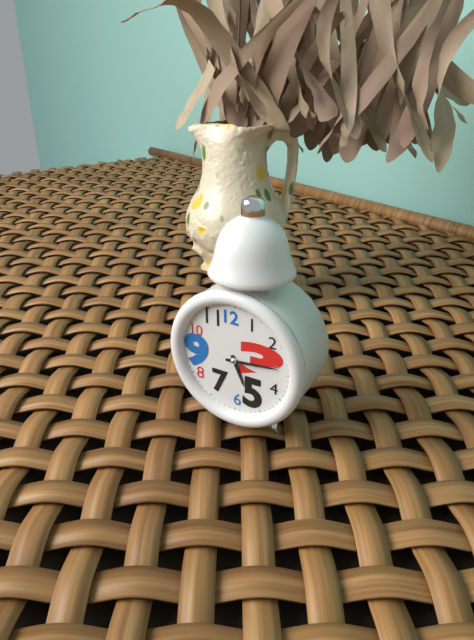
5h14
